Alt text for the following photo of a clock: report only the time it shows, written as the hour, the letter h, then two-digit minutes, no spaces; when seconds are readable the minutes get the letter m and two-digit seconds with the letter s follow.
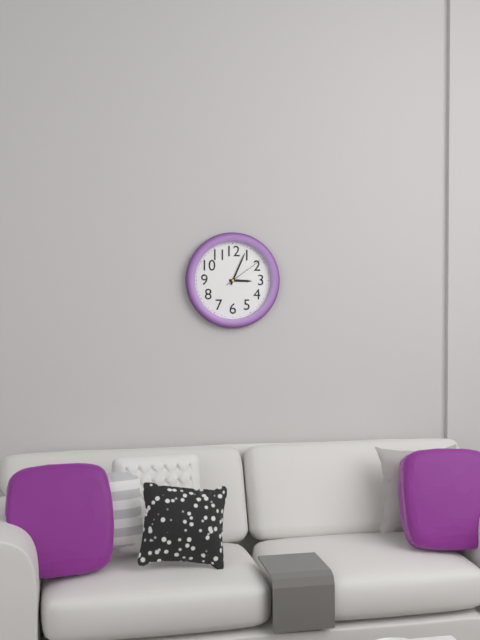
3h04
